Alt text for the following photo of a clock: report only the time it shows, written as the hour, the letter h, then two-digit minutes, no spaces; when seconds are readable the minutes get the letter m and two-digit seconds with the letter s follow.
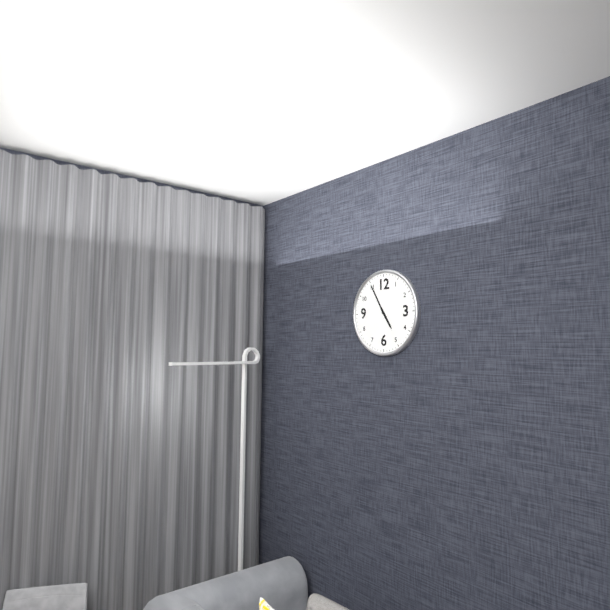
4h55
